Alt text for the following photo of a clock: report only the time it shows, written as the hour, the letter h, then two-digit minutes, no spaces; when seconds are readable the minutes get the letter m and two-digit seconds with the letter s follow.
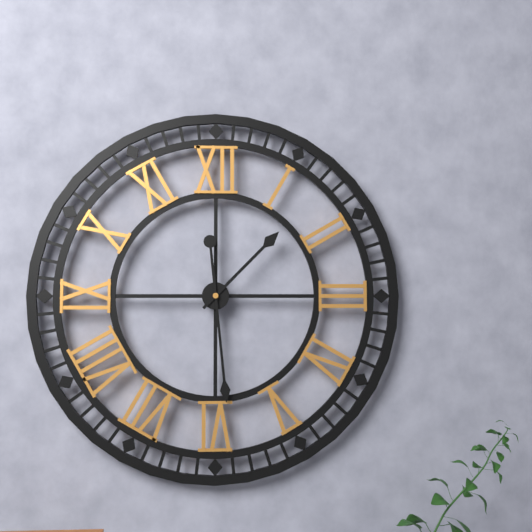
1h29
